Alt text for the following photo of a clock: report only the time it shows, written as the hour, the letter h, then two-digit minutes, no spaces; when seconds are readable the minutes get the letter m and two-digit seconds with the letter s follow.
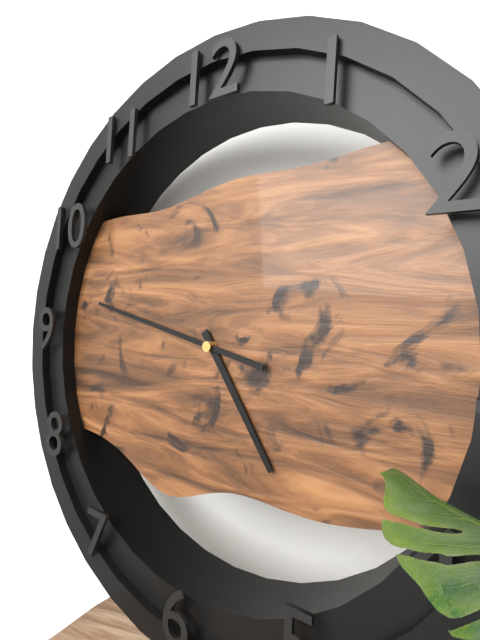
4h47
